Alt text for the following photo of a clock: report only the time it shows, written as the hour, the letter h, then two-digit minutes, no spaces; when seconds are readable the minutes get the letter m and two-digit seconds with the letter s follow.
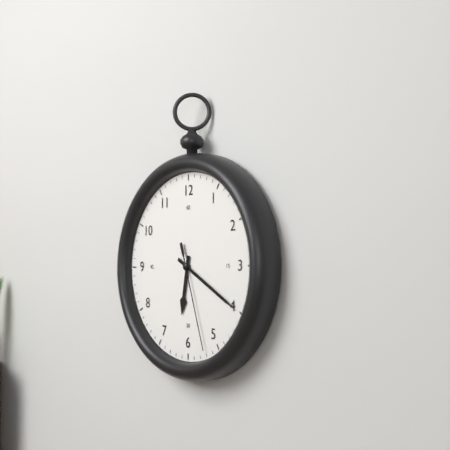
6h20m27s
